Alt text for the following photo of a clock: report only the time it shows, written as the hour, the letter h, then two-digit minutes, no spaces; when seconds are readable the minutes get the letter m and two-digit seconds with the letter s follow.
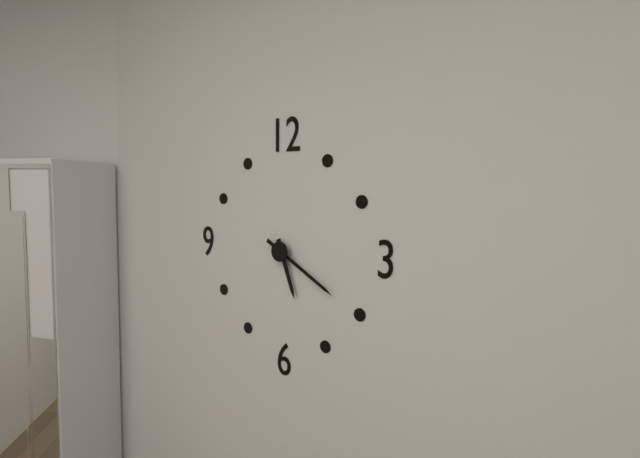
5h20
